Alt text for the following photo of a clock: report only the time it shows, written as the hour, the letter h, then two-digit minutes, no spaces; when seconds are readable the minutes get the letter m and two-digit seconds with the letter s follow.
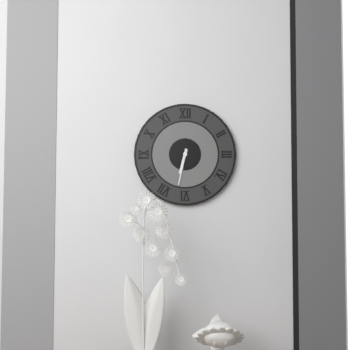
6h32
